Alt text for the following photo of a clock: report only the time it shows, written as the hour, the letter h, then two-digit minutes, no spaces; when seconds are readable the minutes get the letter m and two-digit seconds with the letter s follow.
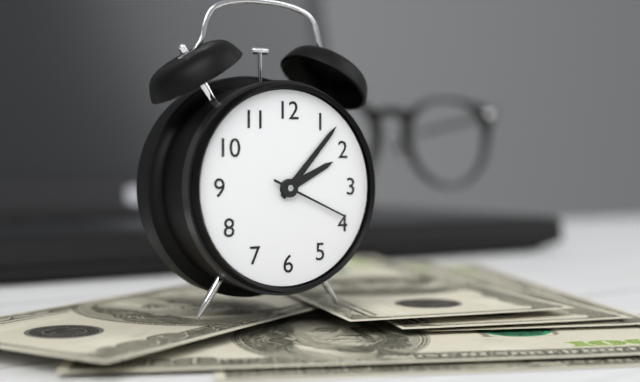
2h07m19s
